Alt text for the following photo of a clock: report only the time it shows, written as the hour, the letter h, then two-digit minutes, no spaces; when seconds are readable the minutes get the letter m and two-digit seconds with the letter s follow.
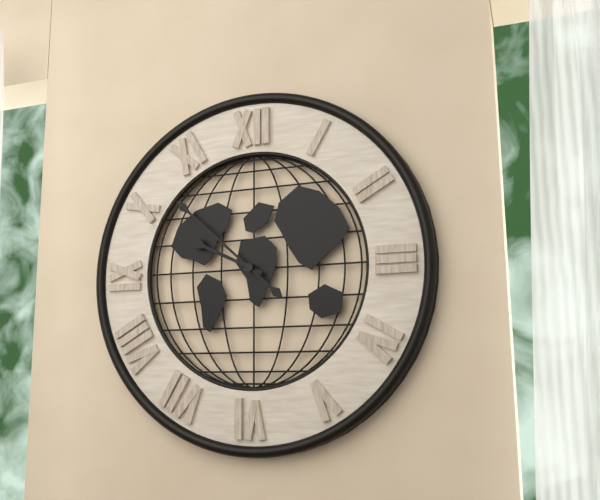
9h52
